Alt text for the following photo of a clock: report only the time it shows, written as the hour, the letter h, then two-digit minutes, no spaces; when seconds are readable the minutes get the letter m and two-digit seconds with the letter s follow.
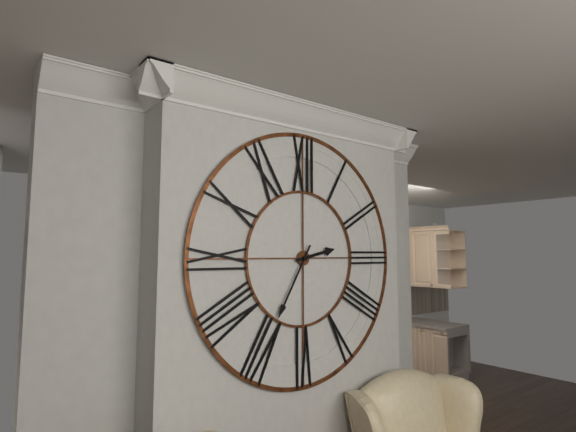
2h35
